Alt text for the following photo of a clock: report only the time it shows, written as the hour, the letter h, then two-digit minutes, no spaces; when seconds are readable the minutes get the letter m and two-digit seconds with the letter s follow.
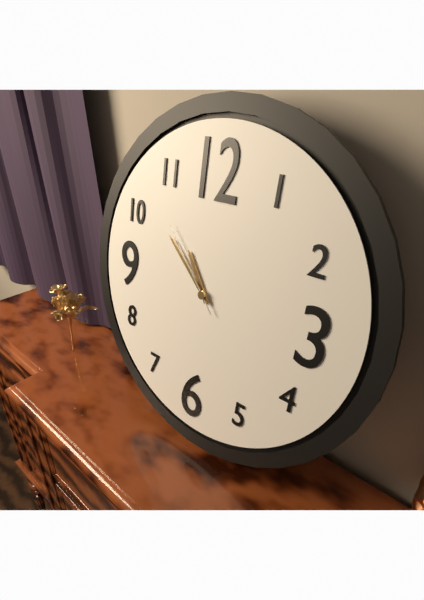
10h52m53s
